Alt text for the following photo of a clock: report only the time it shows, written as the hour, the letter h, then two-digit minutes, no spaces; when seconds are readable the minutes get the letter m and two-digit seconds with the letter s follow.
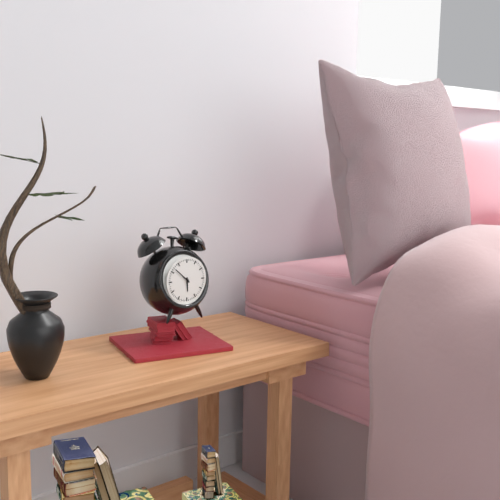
5h52
